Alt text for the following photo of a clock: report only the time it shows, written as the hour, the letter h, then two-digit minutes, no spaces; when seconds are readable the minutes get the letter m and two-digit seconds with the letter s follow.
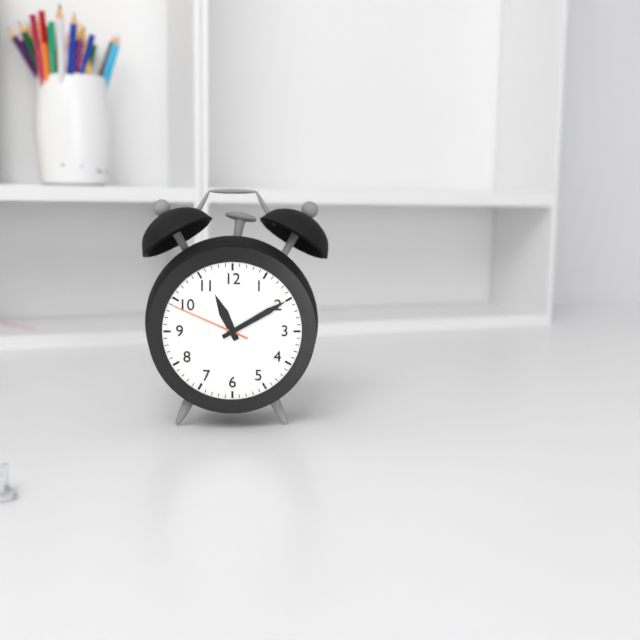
11h10m49s
